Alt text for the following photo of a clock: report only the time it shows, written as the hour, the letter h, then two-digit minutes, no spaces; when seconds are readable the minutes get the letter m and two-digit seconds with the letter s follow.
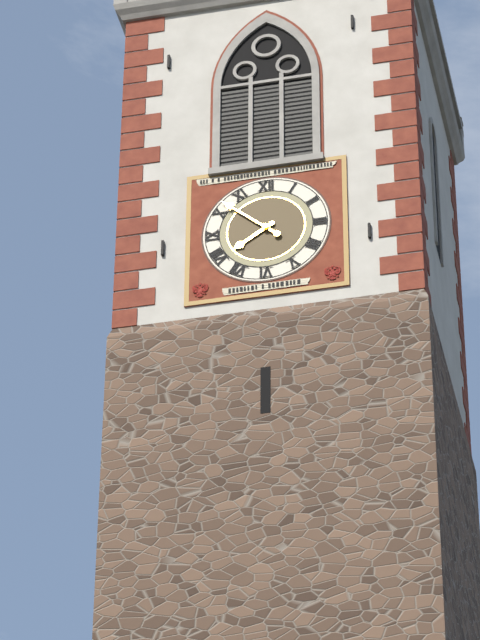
7h52
